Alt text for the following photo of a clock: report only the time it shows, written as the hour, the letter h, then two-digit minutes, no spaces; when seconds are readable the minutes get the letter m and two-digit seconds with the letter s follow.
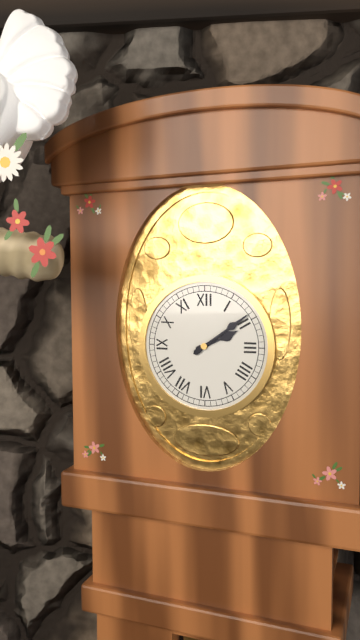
2h09
